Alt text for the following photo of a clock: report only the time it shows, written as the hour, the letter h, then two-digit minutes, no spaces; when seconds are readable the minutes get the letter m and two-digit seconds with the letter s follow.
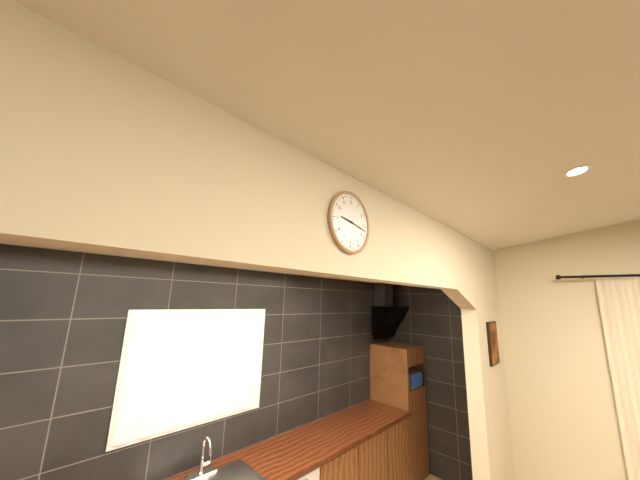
9h17
